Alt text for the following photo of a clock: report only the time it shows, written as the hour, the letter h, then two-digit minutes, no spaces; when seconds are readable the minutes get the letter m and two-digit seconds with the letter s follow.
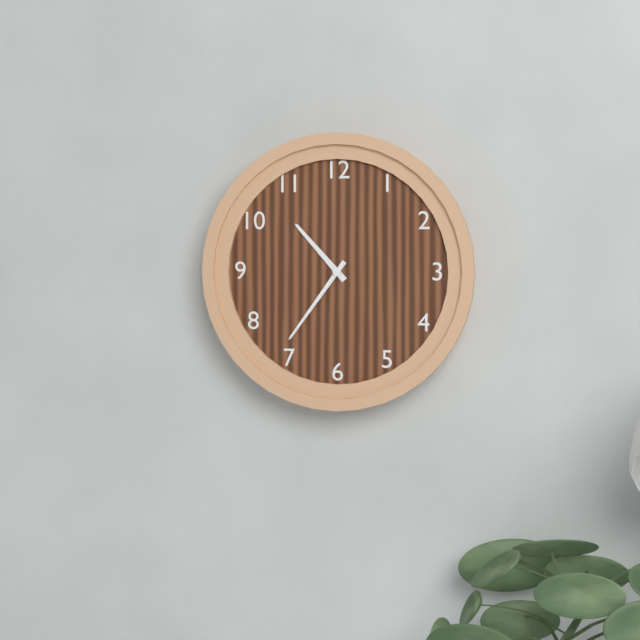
10h36
